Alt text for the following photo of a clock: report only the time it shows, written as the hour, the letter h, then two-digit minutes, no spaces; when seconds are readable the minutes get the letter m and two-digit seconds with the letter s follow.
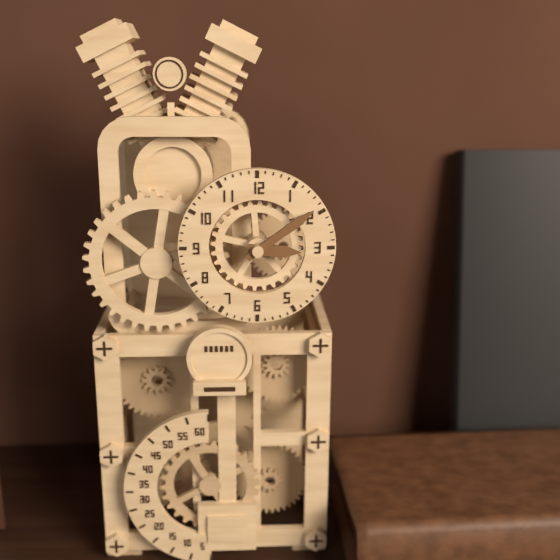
3h09
